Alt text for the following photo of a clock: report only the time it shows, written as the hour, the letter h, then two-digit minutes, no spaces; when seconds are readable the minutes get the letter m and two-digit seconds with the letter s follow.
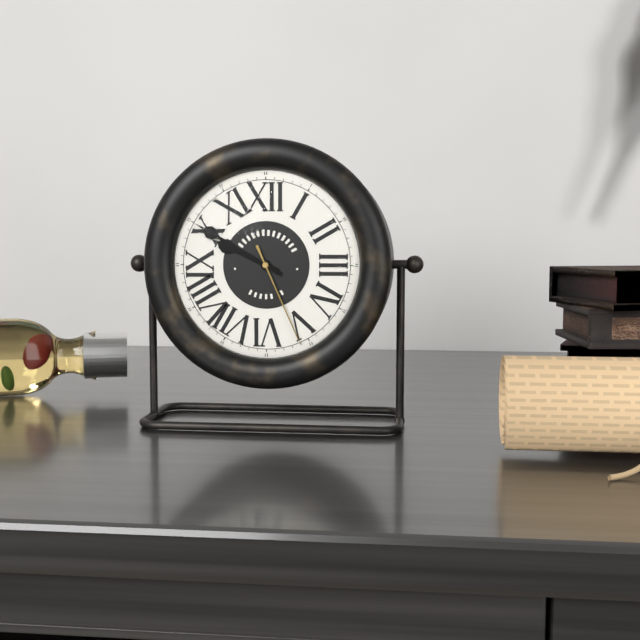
9h50m26s
